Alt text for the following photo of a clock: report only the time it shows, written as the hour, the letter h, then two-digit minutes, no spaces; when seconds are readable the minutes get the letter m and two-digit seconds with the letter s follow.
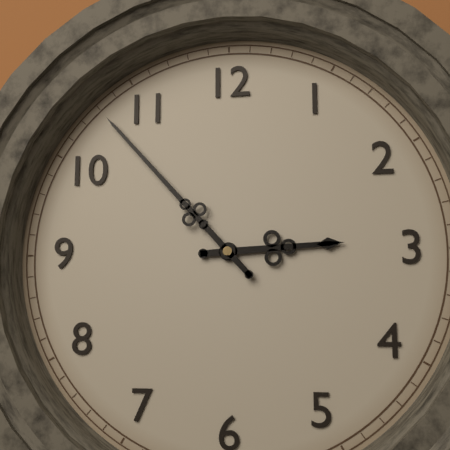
2h53
